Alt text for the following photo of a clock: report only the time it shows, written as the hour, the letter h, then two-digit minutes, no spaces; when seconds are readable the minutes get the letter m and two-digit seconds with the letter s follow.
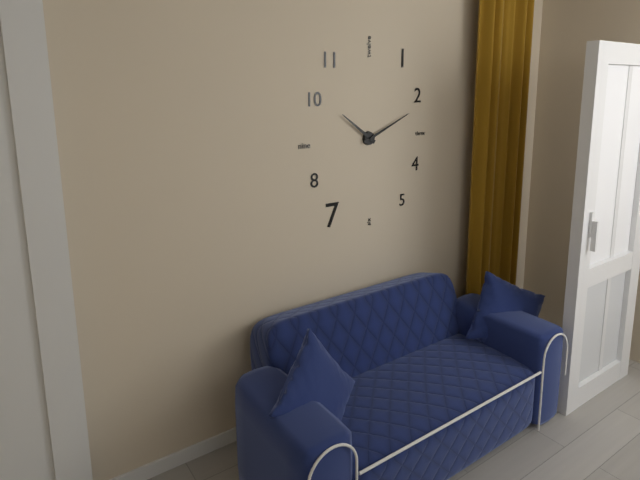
10h11
